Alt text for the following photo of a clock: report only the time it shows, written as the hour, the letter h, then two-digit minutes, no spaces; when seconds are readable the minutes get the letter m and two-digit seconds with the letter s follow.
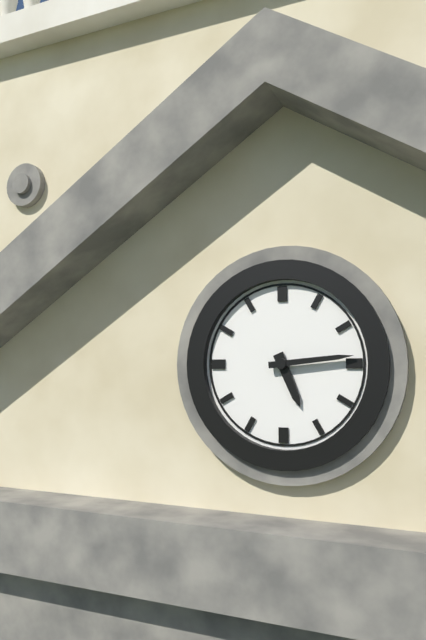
5h14
